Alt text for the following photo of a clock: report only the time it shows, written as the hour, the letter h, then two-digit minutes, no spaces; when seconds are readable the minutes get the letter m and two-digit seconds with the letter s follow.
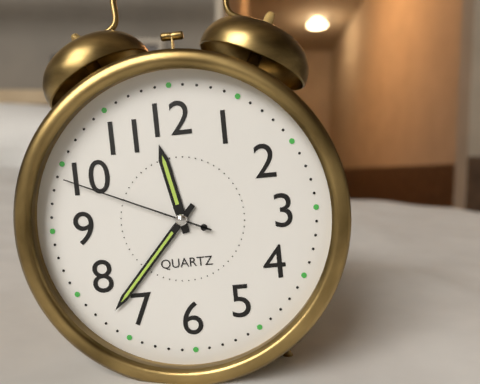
11h37m49s
